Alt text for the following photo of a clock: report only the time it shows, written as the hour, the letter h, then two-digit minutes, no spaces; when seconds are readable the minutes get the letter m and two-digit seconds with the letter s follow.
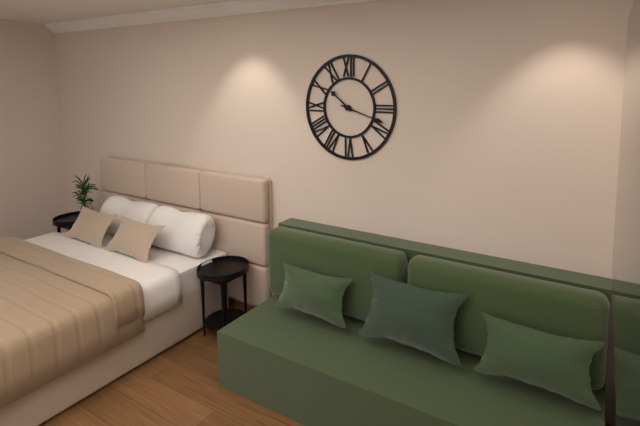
10h18
